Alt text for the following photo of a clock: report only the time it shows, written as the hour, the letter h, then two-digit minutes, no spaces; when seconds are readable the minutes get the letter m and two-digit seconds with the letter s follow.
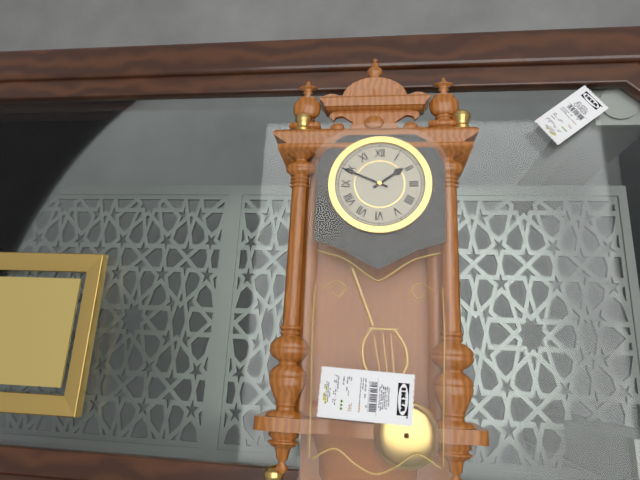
1h49
